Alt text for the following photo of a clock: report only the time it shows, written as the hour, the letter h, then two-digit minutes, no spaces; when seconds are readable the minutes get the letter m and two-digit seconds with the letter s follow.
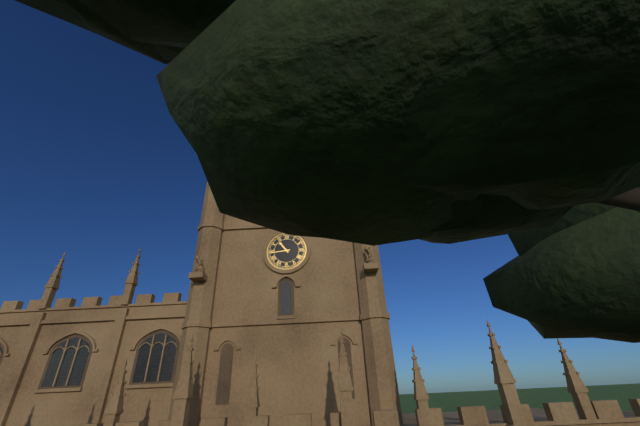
10h44
